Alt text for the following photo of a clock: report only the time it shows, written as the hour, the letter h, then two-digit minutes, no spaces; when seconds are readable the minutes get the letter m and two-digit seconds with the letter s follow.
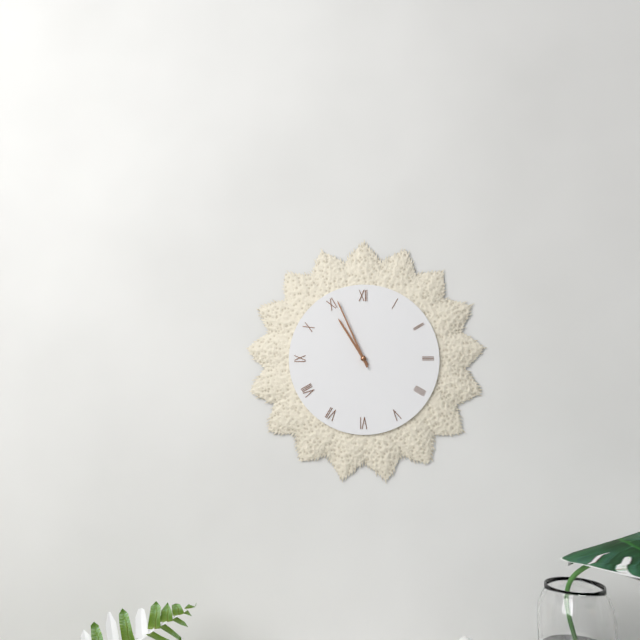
10h56
